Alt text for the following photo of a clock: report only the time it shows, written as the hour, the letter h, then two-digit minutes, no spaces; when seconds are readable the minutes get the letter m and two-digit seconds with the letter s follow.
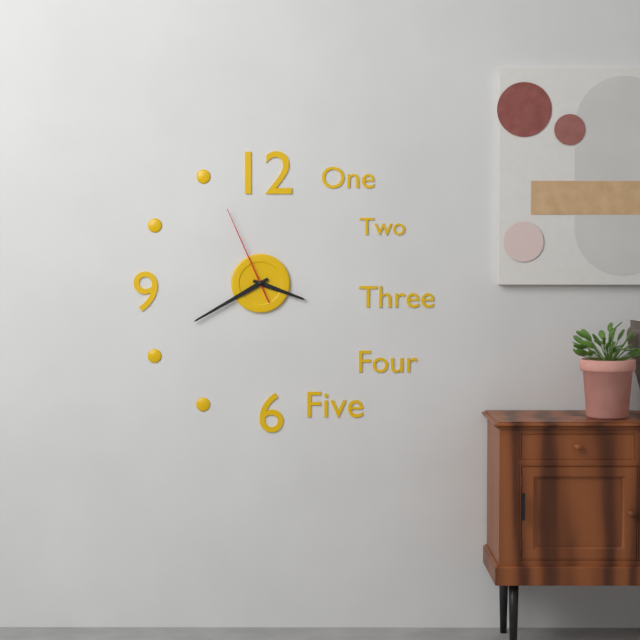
3h40m56s
